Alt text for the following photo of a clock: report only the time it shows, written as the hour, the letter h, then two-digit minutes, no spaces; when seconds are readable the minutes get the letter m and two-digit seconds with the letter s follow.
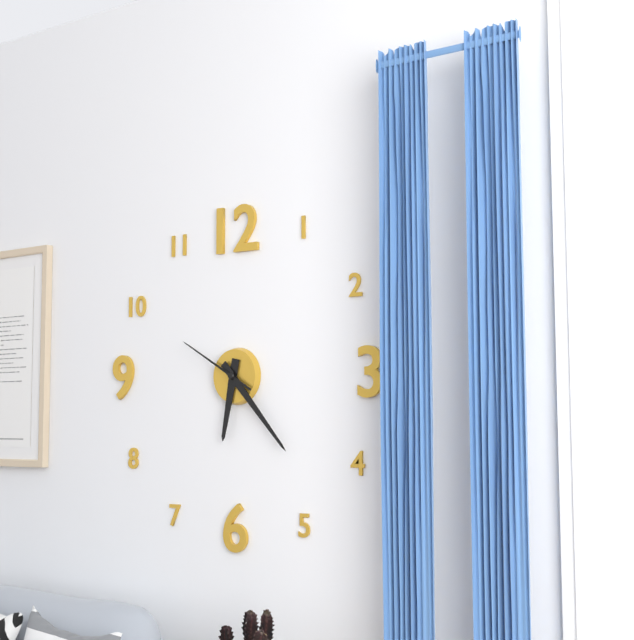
6h23m50s
